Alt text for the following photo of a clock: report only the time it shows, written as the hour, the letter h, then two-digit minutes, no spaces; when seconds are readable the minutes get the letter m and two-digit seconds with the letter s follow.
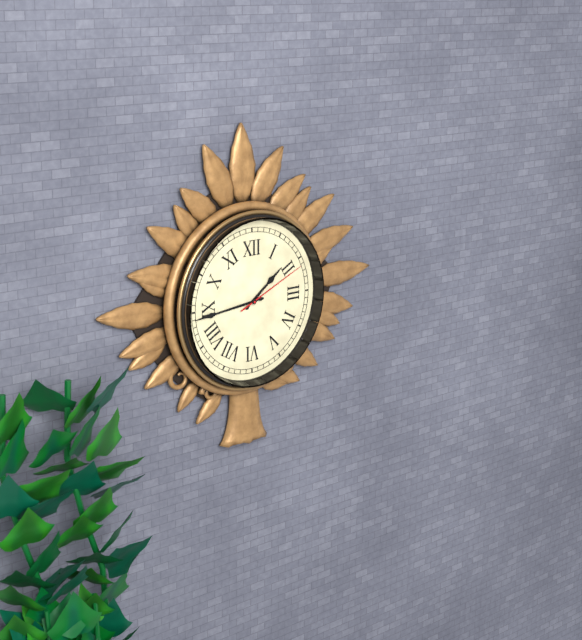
1h44m11s
